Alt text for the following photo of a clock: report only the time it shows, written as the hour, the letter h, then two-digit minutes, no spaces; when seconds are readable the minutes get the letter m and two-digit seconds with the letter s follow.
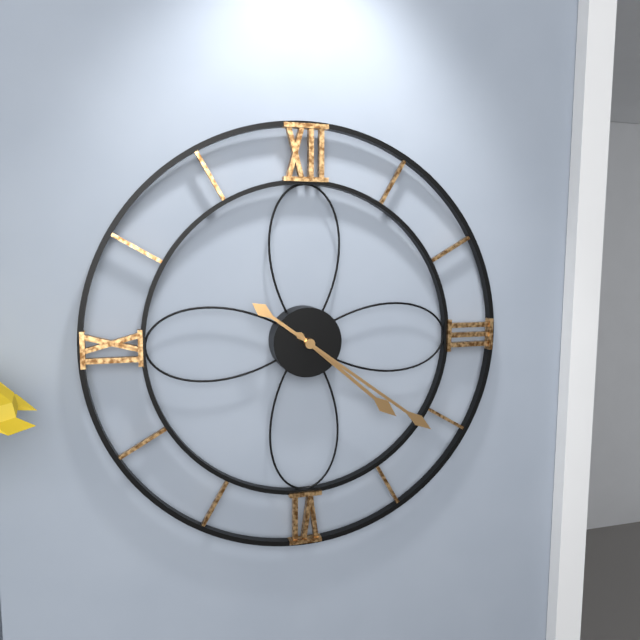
4h21
